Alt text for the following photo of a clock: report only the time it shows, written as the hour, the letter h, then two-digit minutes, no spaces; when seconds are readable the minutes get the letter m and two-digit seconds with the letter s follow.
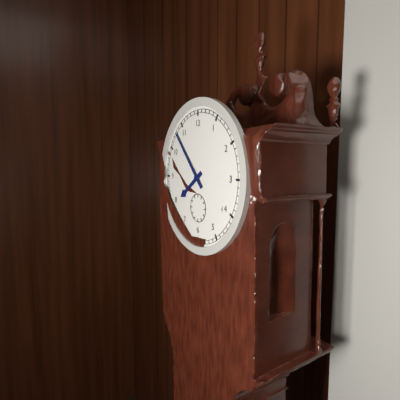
7h53
